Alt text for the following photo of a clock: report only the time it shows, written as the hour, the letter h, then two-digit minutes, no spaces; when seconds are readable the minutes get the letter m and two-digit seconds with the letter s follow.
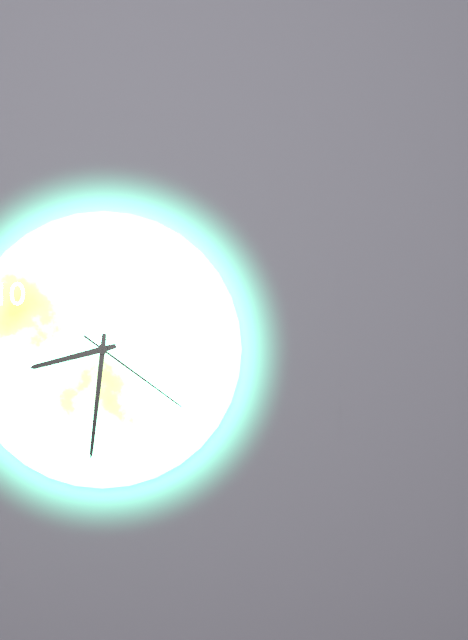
8h31m21s
